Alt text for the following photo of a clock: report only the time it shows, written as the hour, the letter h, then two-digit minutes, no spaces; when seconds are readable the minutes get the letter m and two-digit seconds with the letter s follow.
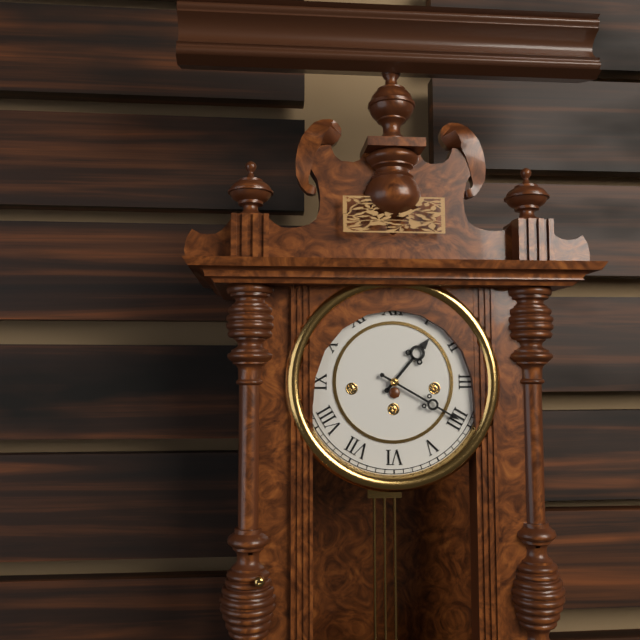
1h20
